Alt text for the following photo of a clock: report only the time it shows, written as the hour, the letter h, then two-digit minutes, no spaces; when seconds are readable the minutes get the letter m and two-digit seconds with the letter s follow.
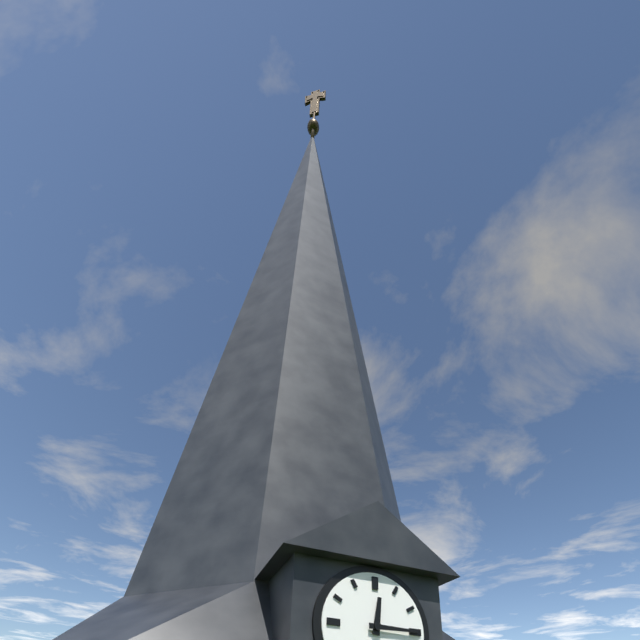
12h15
